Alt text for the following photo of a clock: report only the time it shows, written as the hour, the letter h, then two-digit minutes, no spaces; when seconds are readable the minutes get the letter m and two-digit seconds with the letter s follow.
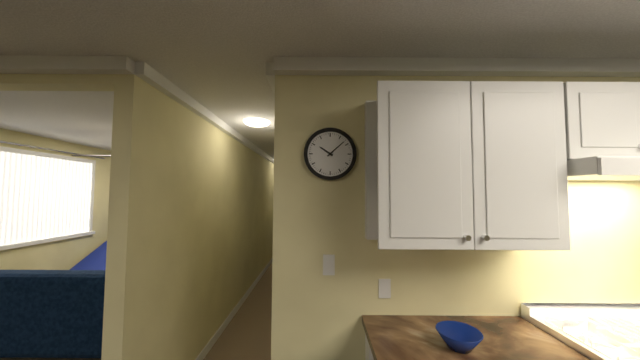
10h08
